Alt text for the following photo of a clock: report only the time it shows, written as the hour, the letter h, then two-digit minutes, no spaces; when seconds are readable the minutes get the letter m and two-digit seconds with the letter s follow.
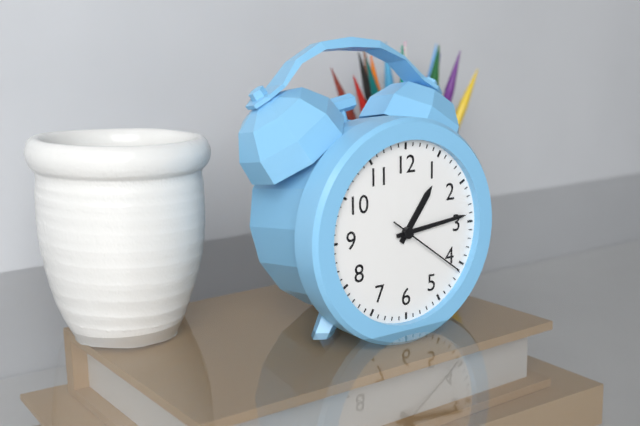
1h14m21s
